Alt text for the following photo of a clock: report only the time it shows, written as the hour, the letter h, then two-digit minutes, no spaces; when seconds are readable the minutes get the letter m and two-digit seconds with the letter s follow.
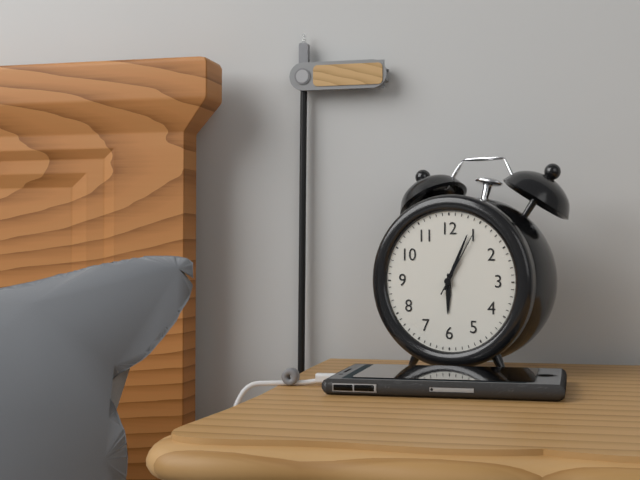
6h04m05s
